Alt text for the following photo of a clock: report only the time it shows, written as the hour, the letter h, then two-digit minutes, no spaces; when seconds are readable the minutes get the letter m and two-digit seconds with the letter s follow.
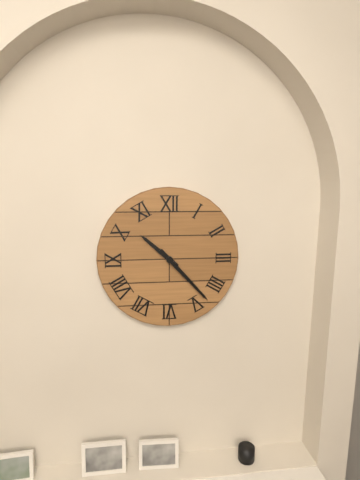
10h23
